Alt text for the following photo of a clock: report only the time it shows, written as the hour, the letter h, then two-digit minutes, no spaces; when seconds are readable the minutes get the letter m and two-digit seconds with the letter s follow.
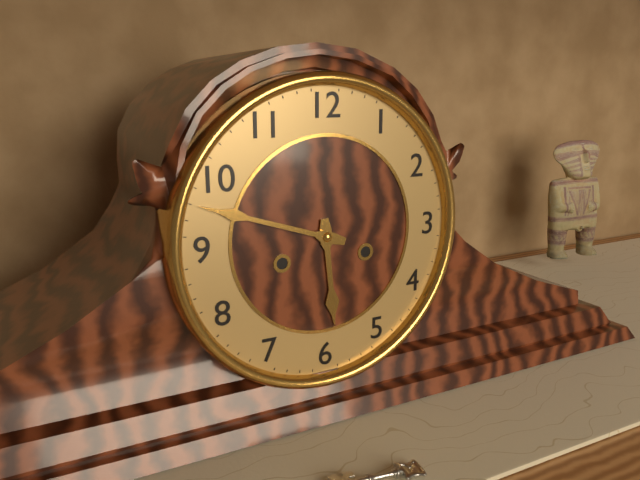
5h48
